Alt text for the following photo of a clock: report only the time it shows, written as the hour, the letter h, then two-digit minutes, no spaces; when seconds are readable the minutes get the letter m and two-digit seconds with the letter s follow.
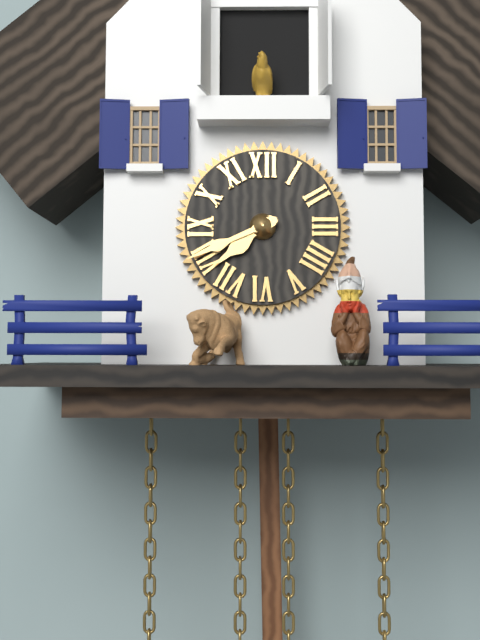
7h41
